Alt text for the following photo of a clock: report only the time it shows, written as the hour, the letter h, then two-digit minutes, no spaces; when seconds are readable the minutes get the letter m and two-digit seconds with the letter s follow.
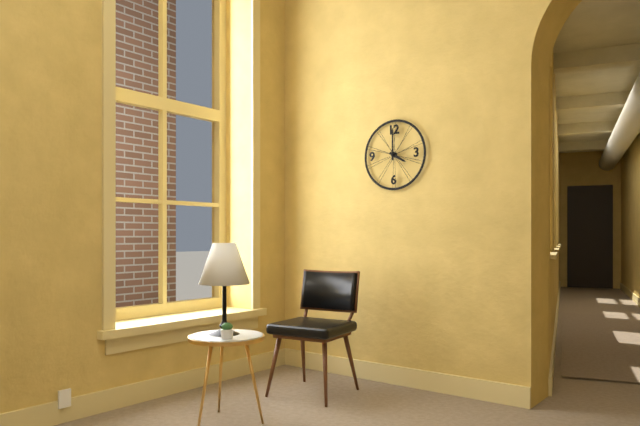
4h00
